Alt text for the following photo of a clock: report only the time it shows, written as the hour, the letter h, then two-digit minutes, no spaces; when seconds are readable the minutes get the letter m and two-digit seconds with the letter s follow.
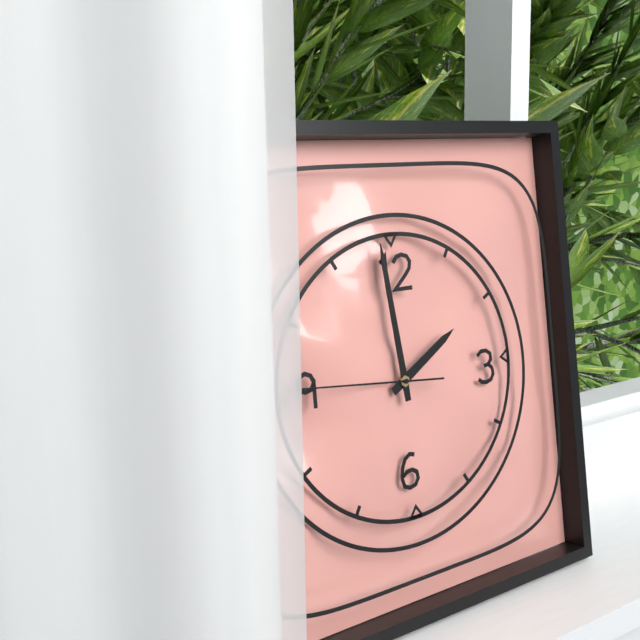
1h59m46s
